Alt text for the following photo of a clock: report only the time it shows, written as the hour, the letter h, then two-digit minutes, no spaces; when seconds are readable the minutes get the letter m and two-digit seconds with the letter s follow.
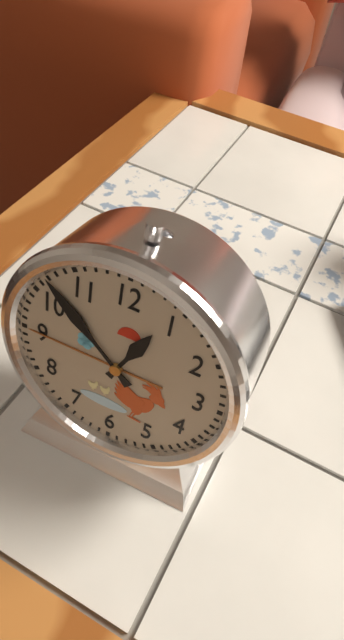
12h52
